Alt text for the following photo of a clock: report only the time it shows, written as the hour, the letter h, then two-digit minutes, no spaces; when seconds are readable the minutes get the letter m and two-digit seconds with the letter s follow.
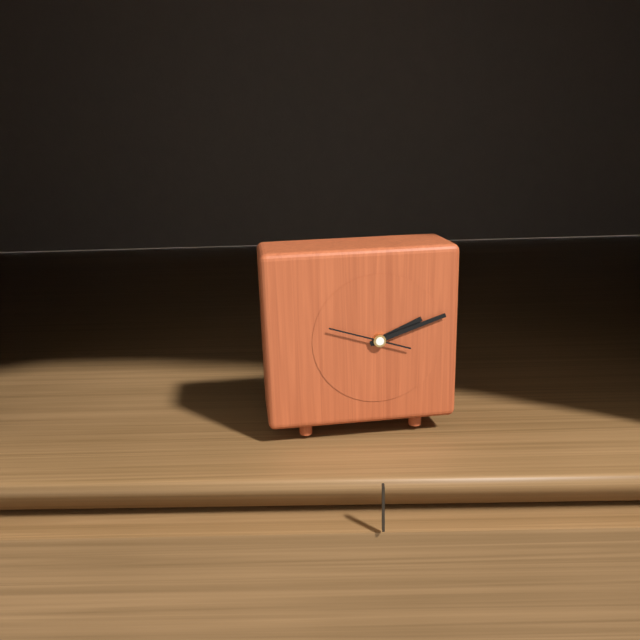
2h12m48s
